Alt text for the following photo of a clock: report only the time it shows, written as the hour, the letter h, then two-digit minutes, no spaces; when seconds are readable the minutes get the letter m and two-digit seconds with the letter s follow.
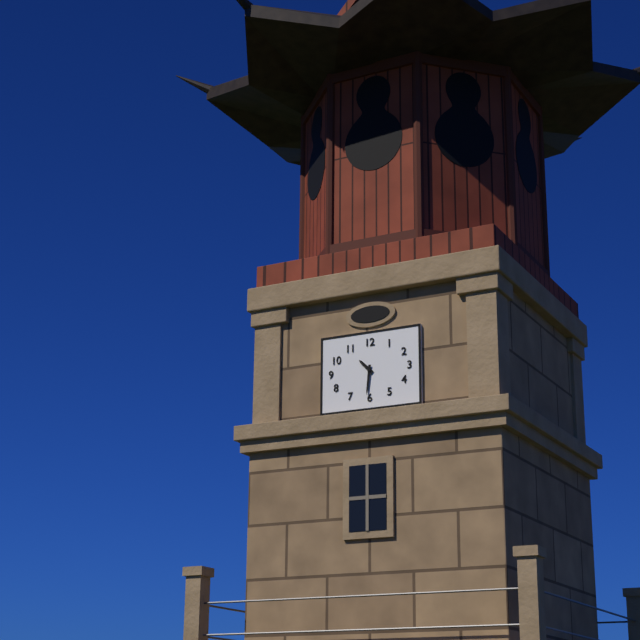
10h31
